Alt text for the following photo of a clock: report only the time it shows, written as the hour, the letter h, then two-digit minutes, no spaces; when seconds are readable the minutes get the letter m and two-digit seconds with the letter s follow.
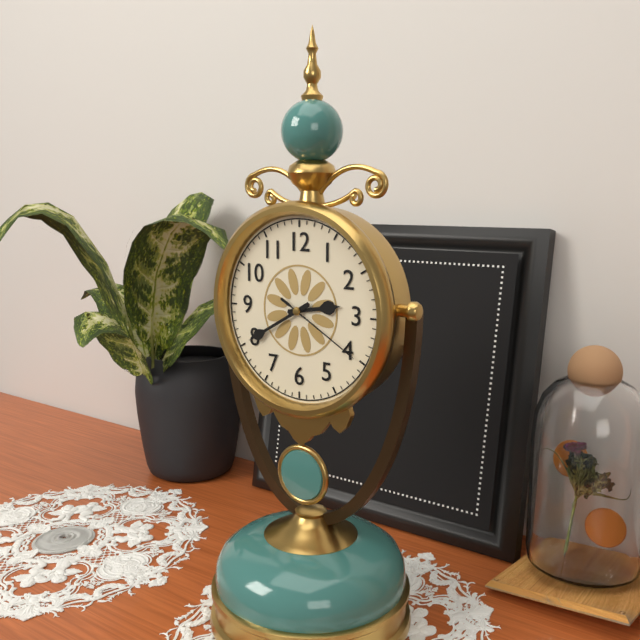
2h40m20s
